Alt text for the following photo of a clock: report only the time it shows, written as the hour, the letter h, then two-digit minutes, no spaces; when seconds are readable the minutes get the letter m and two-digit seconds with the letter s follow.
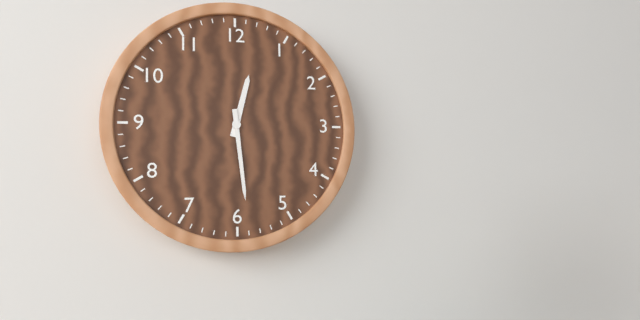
12h29
